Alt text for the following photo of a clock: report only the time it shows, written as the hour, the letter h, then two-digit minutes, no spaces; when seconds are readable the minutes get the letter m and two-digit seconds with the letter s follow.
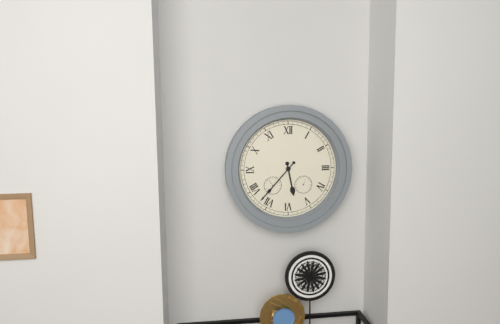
5h37
